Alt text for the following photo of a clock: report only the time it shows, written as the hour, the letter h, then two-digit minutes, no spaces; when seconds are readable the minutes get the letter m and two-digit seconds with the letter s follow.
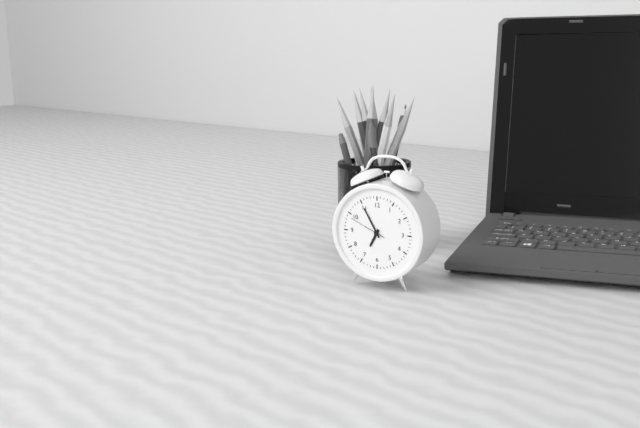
6h55
